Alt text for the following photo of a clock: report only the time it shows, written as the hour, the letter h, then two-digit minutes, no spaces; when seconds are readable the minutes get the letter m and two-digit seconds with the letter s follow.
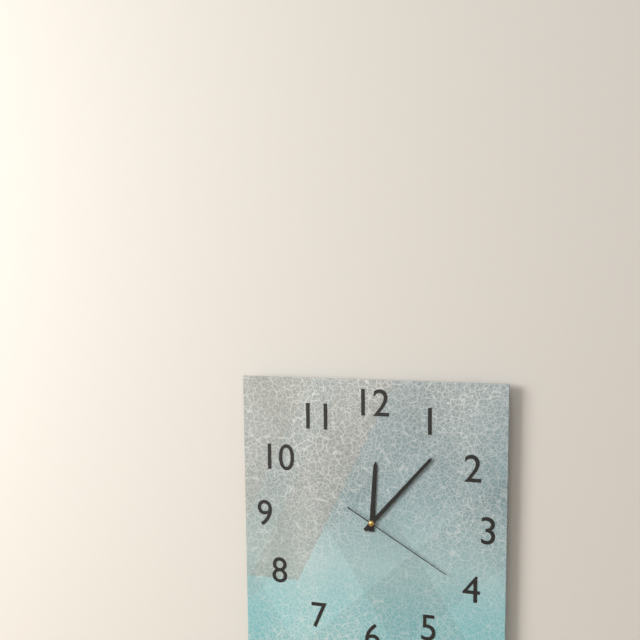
12h07m20s
